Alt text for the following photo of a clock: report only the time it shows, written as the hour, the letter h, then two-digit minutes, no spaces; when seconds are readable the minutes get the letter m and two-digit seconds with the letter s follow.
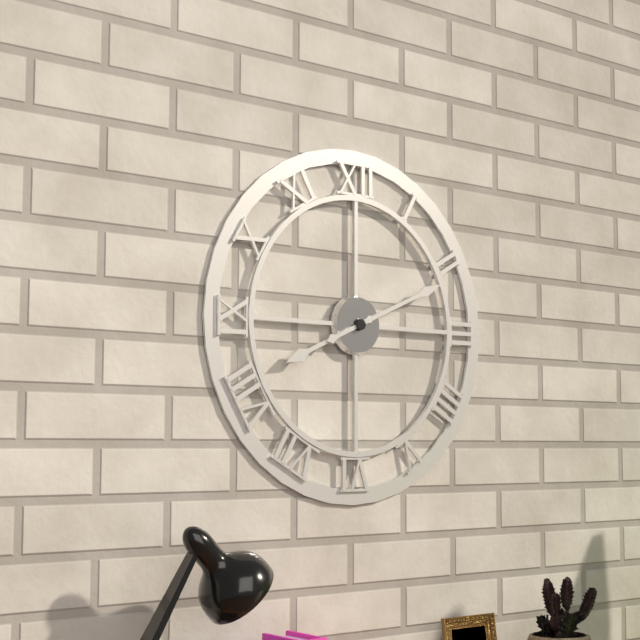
8h11
